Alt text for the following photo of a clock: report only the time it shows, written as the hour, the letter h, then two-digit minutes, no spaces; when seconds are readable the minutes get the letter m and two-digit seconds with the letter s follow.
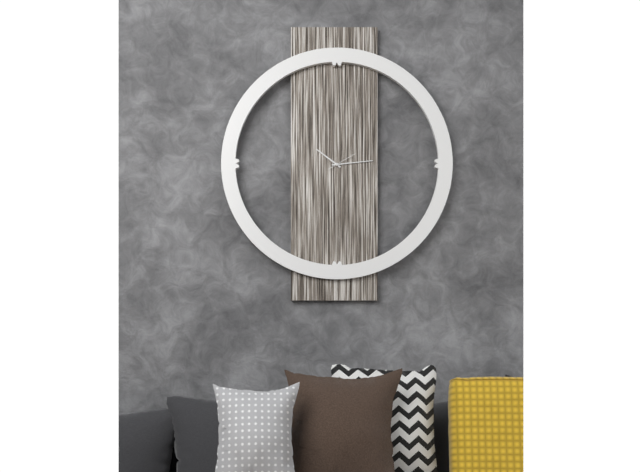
10h14
